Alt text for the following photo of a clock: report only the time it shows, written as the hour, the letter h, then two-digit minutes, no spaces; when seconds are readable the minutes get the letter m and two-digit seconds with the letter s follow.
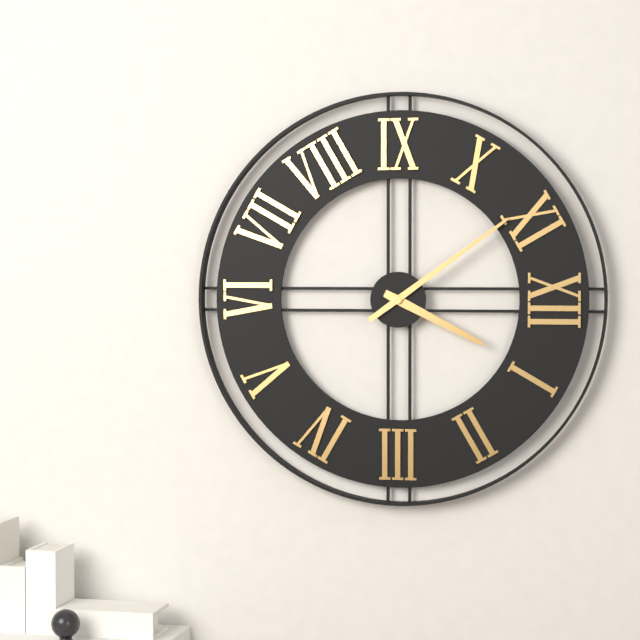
12h54
